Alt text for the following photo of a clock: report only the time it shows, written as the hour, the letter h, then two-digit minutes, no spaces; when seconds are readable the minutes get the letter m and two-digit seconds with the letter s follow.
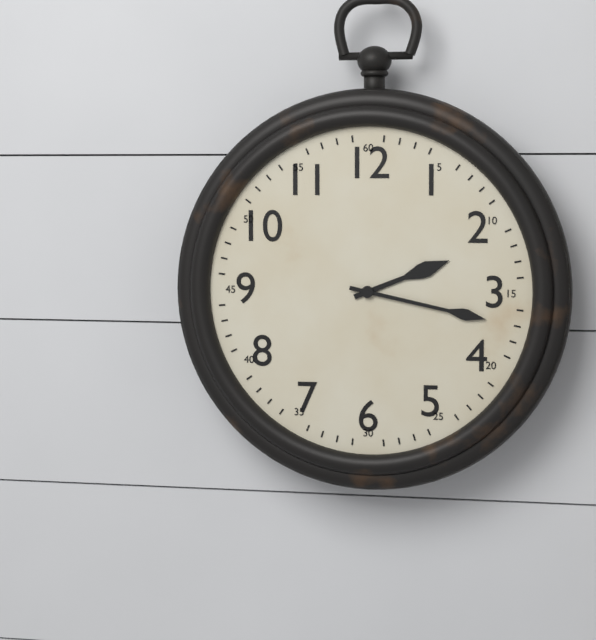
2h17
